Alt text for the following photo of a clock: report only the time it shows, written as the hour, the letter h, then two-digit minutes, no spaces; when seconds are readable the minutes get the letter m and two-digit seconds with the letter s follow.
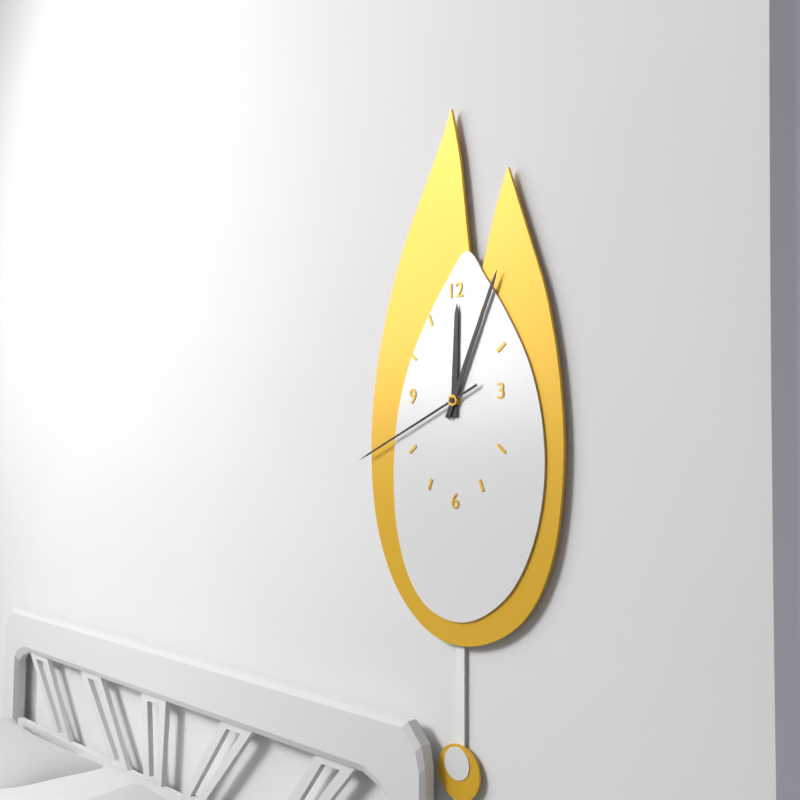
12h04m41s
